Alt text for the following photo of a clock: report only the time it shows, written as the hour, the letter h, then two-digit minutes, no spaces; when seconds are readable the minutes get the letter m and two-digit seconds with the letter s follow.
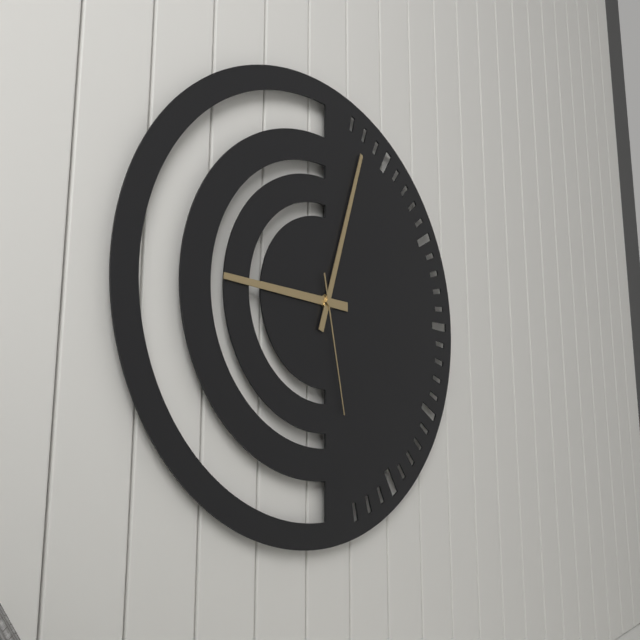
9h03m28s
